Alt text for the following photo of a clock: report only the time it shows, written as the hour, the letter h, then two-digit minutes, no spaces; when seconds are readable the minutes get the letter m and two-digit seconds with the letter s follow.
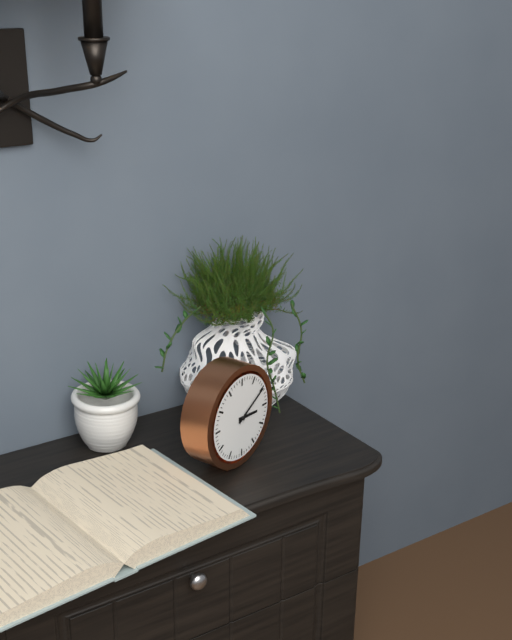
3h10
